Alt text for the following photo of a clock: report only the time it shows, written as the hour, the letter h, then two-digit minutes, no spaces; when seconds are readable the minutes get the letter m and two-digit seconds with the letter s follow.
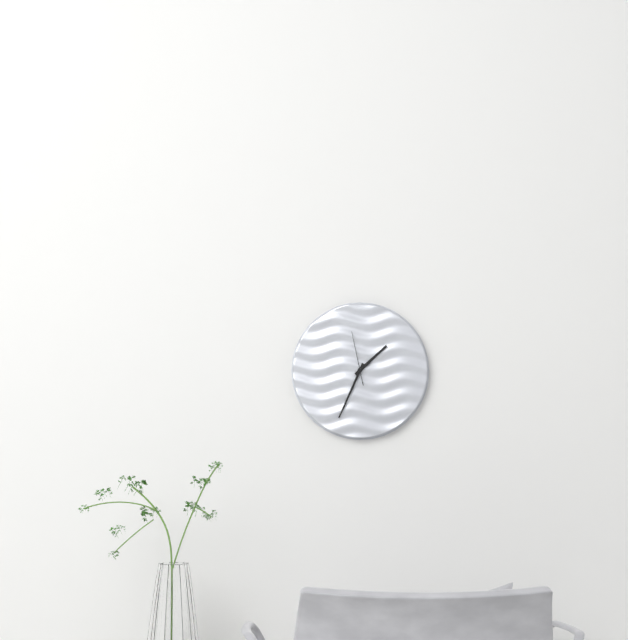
1h34
